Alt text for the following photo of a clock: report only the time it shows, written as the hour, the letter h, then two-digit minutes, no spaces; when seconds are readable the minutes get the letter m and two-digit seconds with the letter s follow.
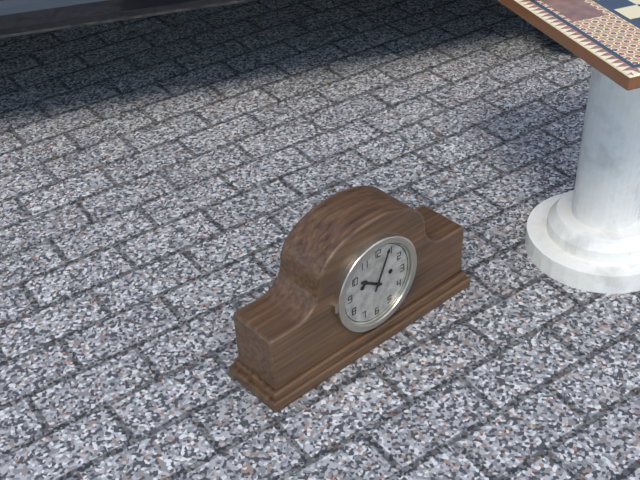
10h04
